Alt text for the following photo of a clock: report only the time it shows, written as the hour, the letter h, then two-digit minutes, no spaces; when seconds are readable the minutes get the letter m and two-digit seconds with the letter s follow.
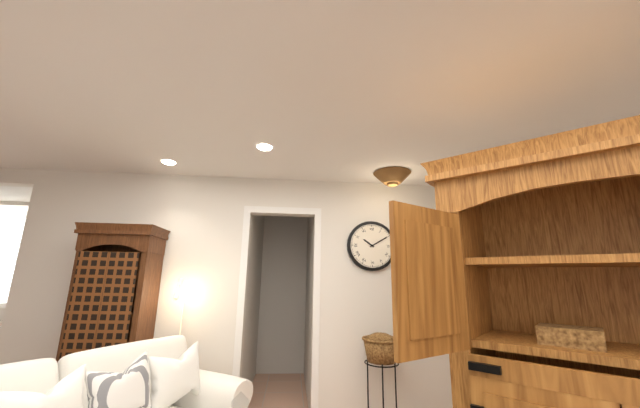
10h10
